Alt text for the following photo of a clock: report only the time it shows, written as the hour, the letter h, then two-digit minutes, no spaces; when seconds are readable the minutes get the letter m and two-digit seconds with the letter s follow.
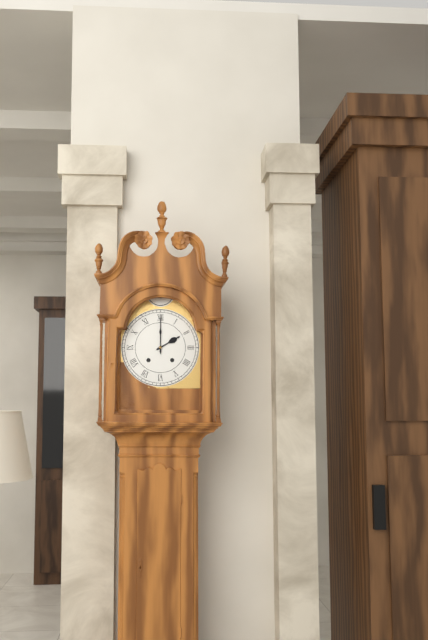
2h00
